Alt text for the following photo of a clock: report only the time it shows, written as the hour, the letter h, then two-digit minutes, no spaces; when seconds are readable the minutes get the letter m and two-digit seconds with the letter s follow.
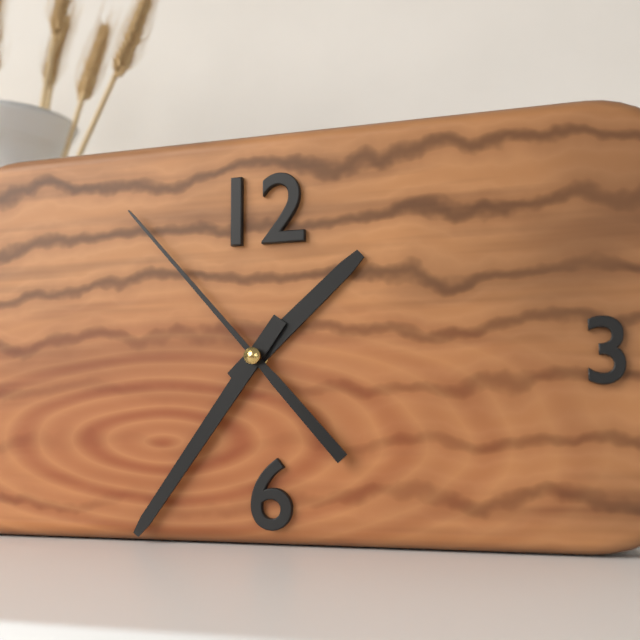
1h36m53s
